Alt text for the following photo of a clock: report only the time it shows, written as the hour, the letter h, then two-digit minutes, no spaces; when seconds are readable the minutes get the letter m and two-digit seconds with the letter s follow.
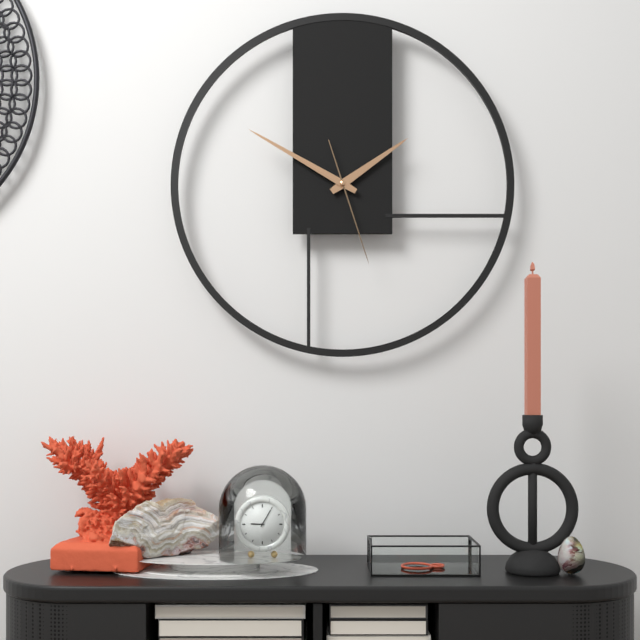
1h50m27s
